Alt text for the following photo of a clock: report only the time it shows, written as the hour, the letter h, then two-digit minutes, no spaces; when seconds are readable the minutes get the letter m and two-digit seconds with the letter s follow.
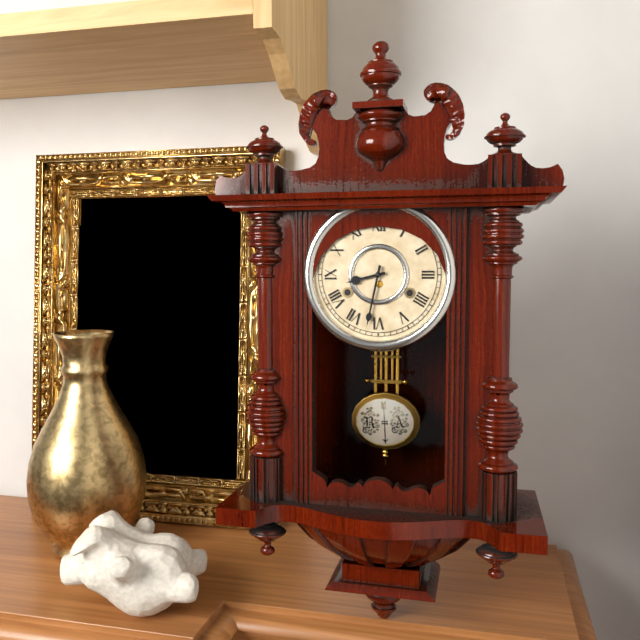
8h32
